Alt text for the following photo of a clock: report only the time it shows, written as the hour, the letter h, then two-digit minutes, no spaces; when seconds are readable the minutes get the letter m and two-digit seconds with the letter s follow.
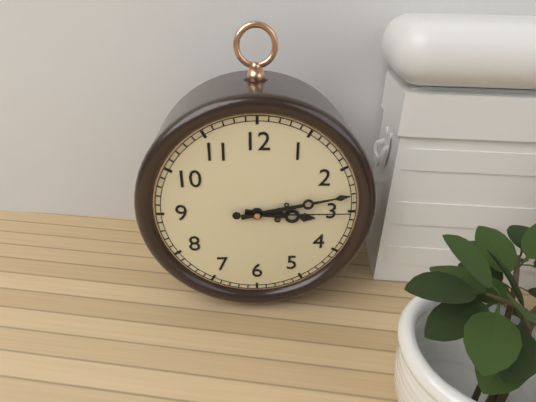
3h13m15s
